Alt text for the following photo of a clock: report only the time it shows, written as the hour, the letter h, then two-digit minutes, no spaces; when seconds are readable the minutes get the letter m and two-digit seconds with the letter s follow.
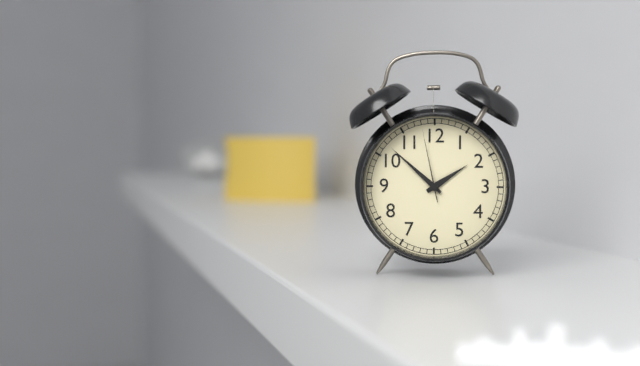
1h52m58s
